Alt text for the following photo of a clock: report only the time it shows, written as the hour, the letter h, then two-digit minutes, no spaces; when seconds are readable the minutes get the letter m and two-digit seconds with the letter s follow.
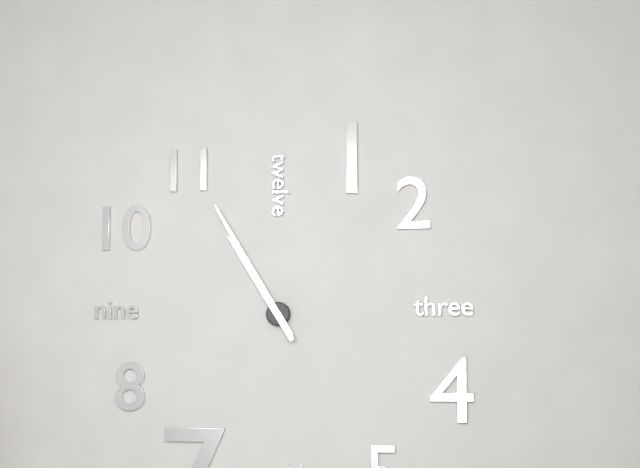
10h55
